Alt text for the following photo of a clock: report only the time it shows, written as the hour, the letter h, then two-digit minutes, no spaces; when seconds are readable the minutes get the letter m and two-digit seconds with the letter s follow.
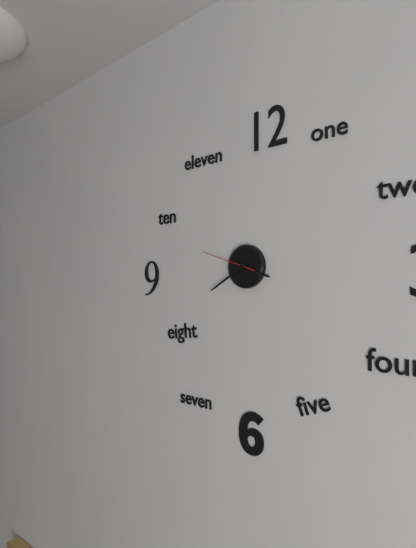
3h40m48s
